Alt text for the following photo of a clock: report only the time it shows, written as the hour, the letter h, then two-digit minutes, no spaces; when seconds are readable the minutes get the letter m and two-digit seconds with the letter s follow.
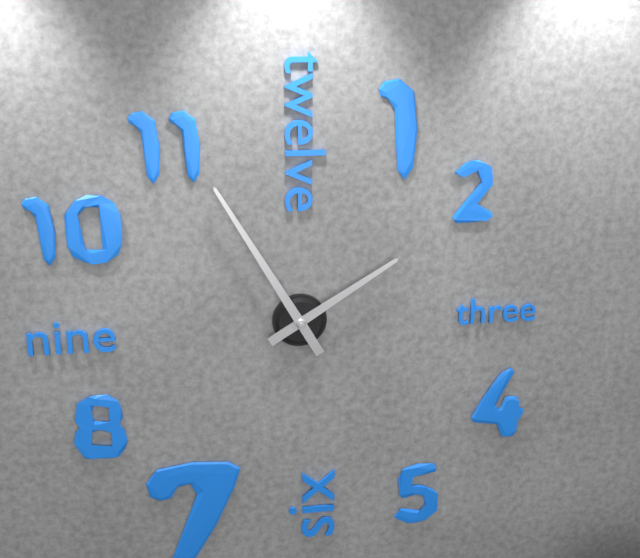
1h55
